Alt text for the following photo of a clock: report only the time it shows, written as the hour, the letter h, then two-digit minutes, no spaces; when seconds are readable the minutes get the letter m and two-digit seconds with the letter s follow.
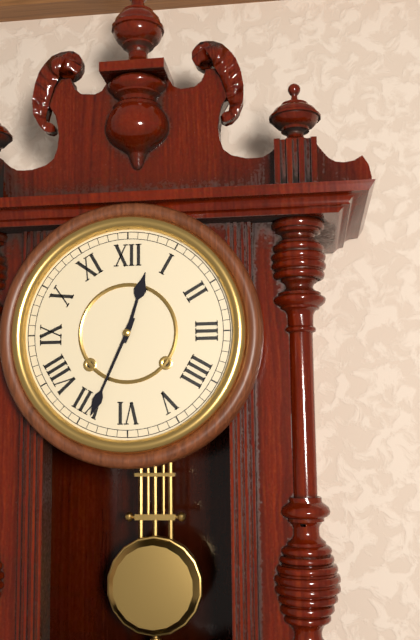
12h34
